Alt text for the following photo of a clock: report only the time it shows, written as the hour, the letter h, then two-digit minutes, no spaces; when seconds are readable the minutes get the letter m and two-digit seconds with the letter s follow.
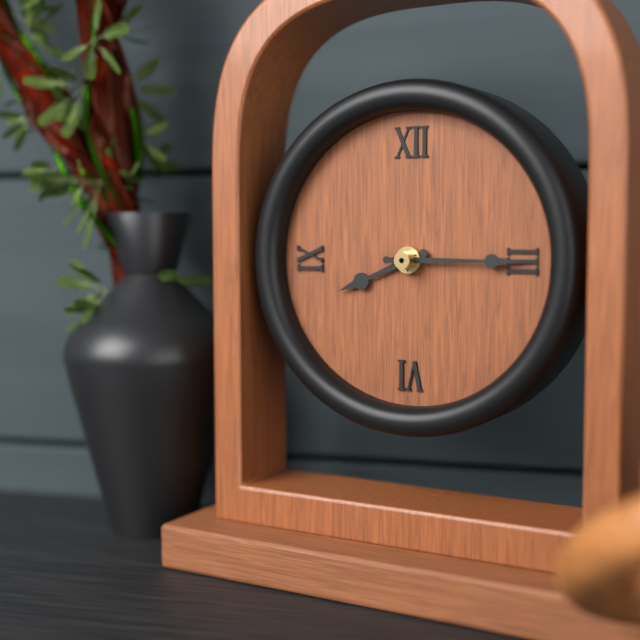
8h15
